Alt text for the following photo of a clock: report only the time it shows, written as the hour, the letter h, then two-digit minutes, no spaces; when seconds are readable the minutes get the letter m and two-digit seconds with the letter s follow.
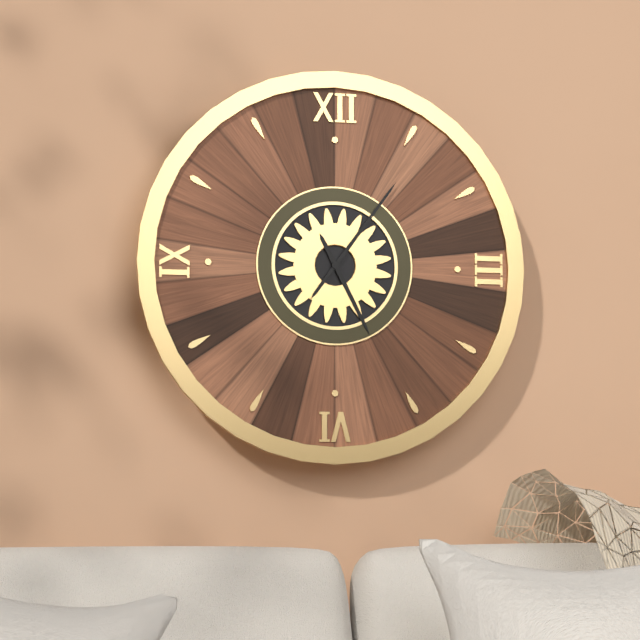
5h06
